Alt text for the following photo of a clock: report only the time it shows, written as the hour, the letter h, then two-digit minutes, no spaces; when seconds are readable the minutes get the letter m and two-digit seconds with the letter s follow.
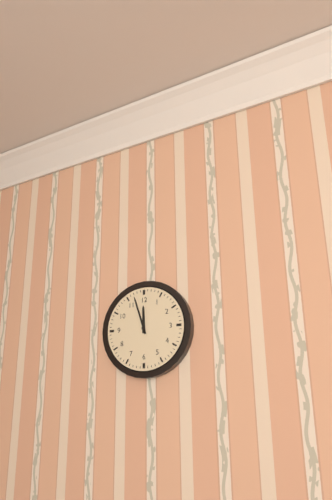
11h57
